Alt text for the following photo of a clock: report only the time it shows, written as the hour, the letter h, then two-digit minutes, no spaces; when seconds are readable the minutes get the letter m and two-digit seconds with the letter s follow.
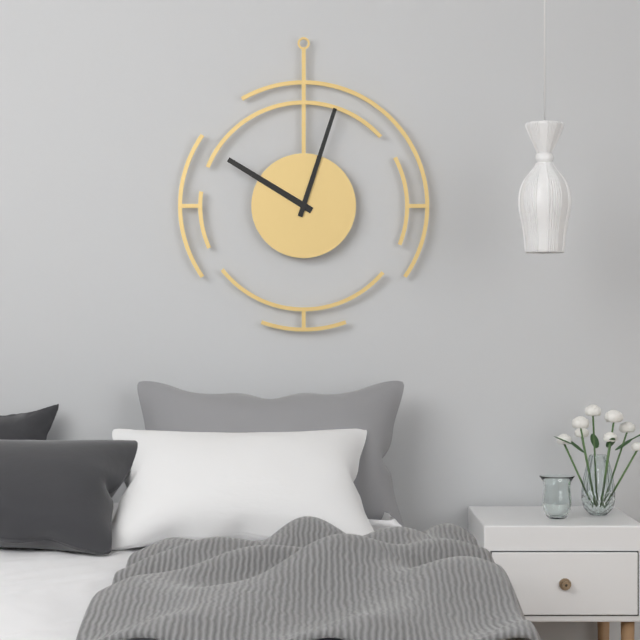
10h03
